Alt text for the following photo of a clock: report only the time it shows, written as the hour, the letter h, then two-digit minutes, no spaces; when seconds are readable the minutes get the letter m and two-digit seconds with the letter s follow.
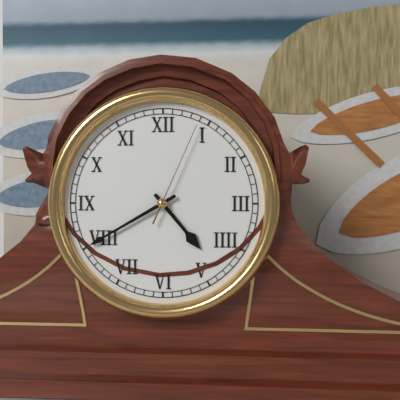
4h40m04s
